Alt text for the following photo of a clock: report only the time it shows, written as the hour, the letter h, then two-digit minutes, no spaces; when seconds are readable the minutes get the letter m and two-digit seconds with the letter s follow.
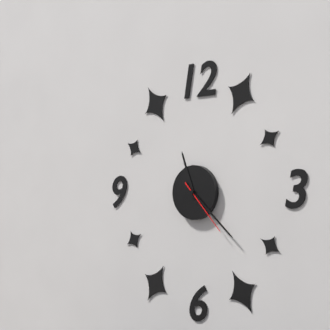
11h22m23s
